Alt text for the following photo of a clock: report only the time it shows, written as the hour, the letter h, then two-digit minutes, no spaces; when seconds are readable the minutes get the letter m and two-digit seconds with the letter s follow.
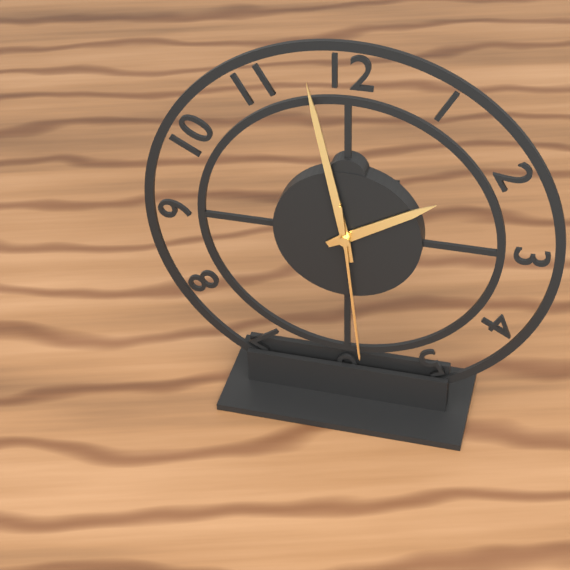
1h58m29s
